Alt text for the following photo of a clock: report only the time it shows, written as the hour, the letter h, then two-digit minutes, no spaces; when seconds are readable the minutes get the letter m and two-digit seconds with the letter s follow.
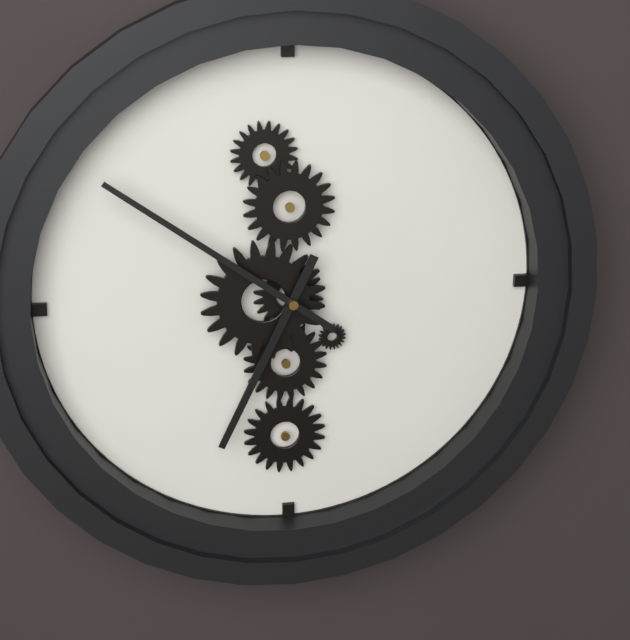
6h51
